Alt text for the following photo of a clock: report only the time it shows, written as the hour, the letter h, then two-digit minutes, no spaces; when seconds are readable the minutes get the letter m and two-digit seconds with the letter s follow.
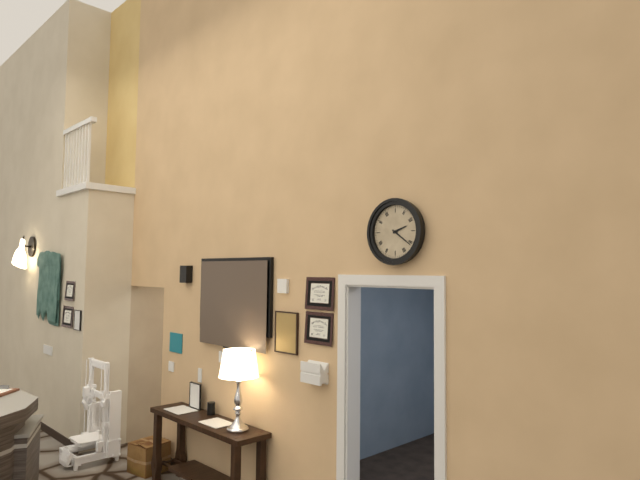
2h21
